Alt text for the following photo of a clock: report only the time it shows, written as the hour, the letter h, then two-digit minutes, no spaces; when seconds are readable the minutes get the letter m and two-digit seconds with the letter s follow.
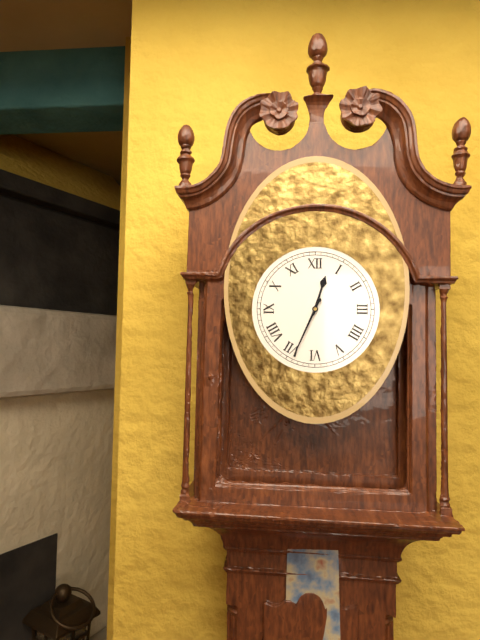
12h34
